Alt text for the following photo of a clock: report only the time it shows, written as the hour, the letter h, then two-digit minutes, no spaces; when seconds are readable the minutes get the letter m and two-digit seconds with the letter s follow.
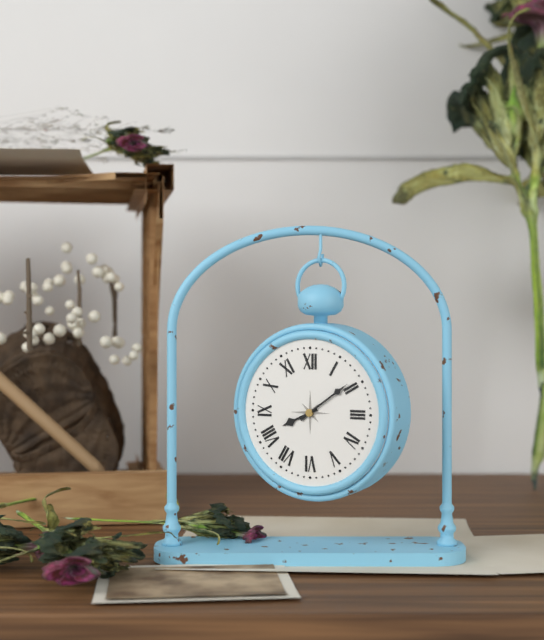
8h09
